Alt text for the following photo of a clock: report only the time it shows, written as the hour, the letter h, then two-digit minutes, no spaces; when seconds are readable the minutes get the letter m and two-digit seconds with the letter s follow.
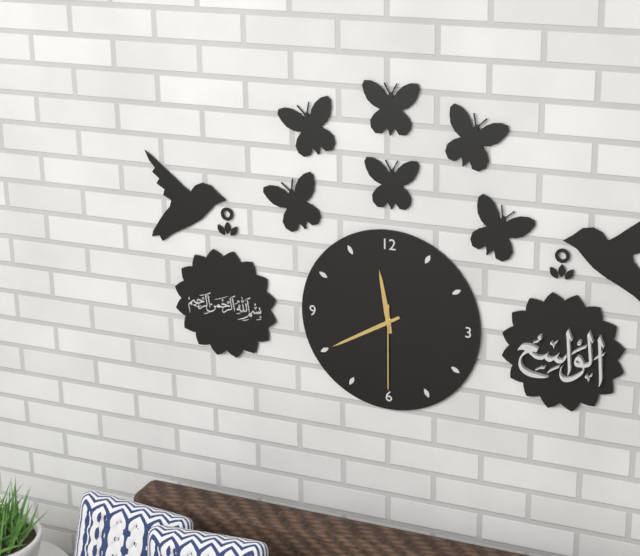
11h40m30s
